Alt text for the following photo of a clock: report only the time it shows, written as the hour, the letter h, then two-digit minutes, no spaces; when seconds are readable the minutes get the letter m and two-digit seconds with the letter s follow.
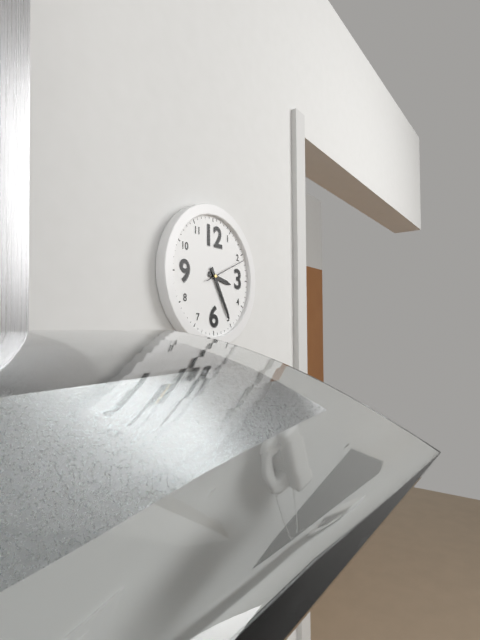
3h25
